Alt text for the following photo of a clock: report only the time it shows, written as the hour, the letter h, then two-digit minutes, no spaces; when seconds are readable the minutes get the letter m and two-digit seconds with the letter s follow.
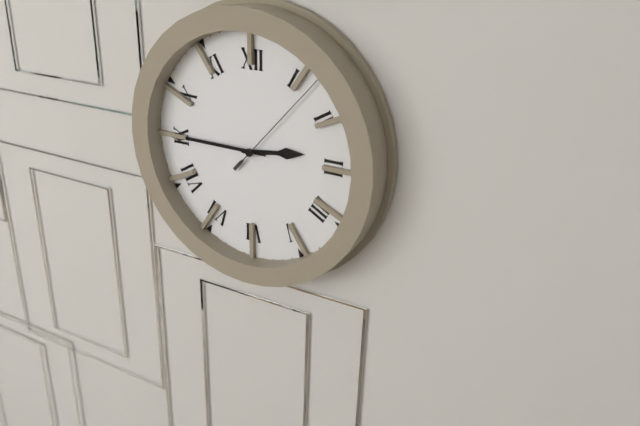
2h45m07s
